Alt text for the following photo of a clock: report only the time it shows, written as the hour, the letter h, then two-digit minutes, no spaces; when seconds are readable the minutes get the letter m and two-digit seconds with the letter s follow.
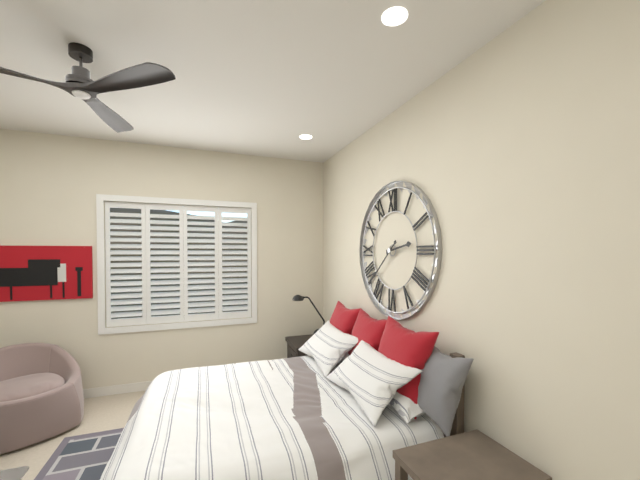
2h38
